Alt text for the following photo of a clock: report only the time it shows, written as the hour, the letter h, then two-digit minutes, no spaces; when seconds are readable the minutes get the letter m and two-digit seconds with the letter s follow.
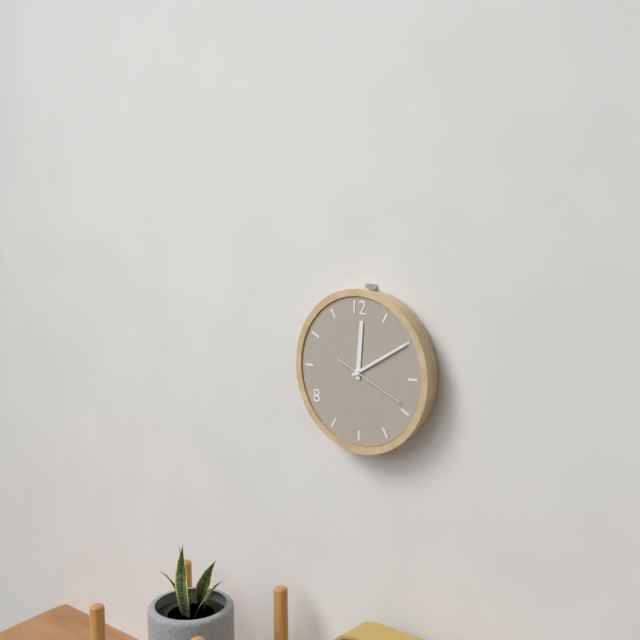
12h10m19s
